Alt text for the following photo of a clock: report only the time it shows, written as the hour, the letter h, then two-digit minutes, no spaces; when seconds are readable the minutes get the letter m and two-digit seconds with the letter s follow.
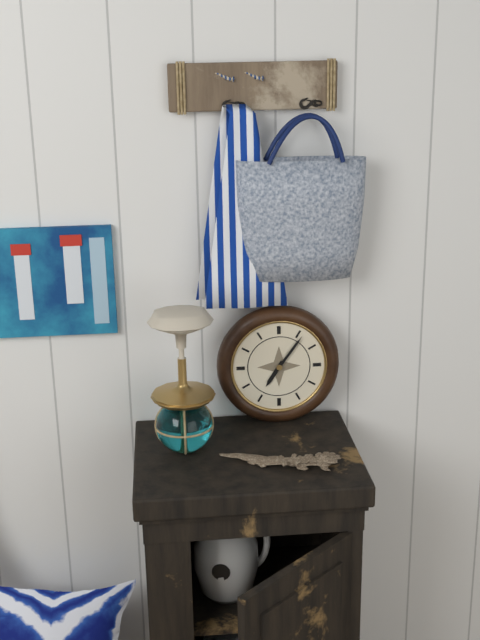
7h06
